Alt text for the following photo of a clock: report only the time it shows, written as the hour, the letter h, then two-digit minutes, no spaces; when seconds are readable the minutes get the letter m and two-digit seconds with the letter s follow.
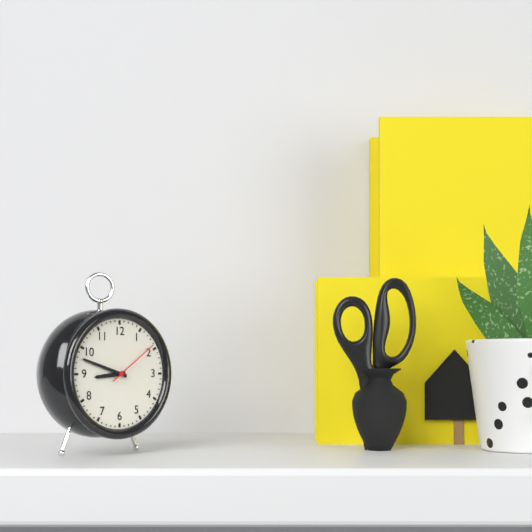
8h48m09s
